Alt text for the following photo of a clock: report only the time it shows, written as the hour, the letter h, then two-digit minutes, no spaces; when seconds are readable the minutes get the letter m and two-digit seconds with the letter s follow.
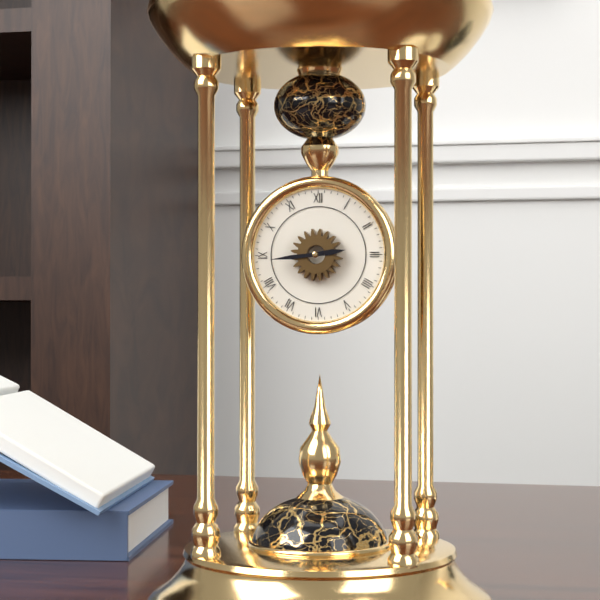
2h44
